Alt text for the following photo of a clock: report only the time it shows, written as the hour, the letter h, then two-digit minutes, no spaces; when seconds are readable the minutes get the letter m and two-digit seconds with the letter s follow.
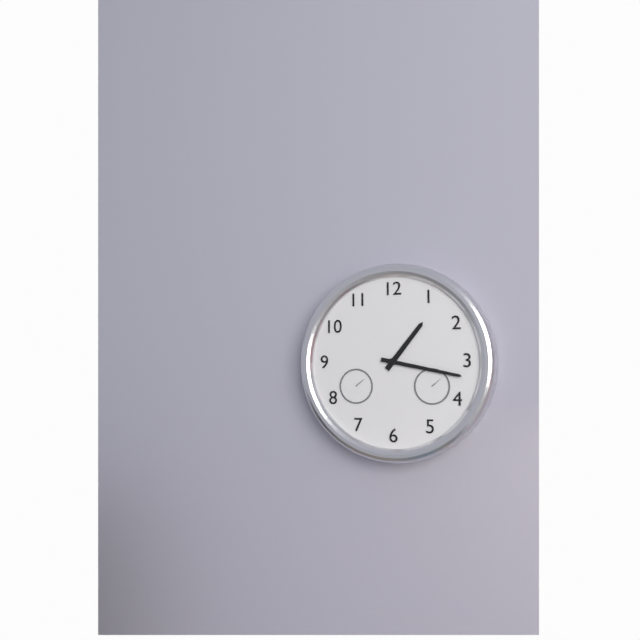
1h17
